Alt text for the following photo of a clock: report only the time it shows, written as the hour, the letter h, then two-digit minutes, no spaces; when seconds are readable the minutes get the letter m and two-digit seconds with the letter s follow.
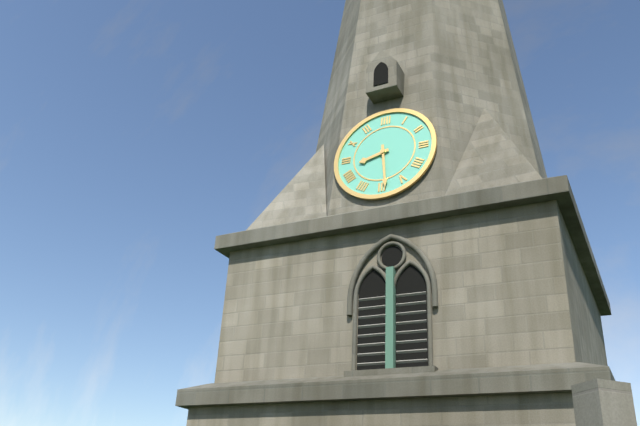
8h29
